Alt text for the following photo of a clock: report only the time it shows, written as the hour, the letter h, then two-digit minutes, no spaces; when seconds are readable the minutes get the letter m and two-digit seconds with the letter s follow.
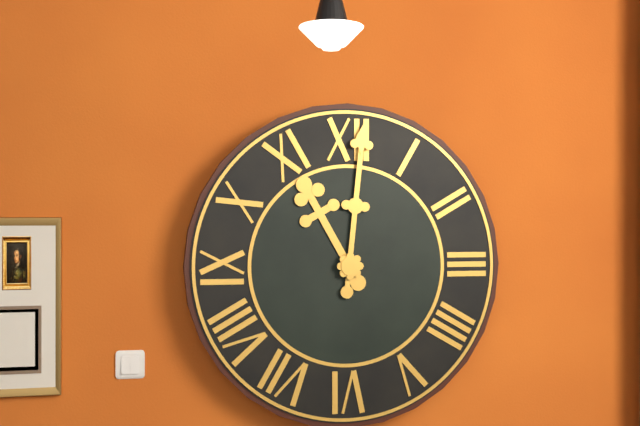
11h01
